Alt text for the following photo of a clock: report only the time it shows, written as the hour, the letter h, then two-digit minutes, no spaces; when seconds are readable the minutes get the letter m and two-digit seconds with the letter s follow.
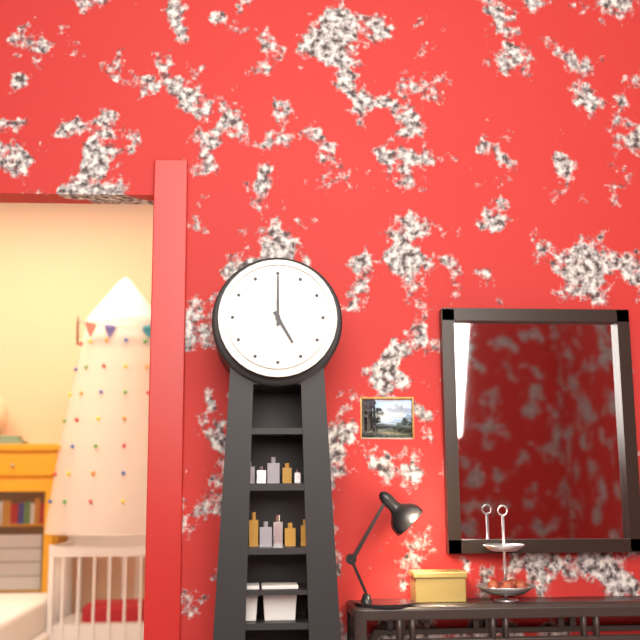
5h00
